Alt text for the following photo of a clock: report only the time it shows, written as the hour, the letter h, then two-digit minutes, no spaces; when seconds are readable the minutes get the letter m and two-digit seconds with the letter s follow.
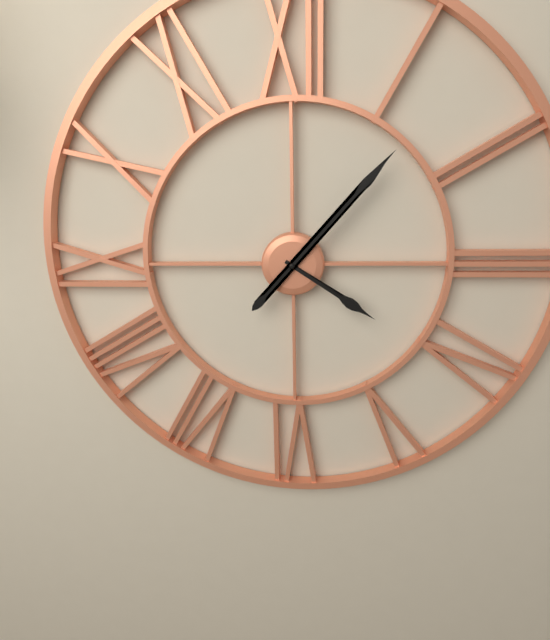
4h07
